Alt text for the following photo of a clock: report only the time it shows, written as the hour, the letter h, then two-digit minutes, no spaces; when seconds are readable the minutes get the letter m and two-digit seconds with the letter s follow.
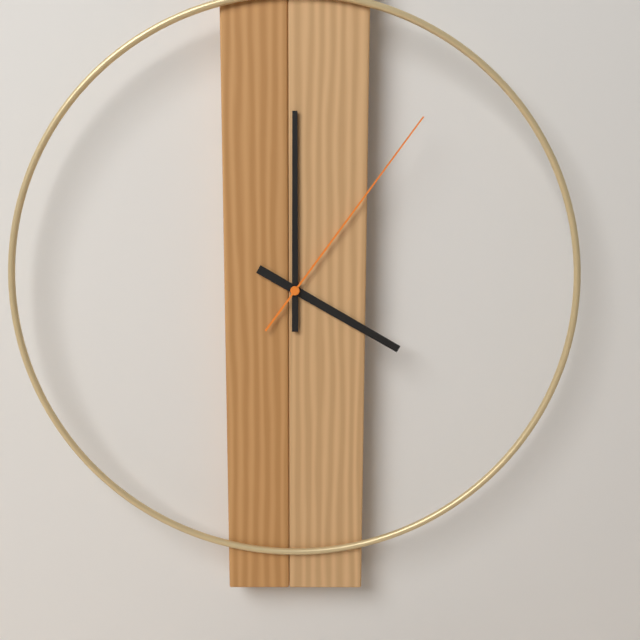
4h00m06s
